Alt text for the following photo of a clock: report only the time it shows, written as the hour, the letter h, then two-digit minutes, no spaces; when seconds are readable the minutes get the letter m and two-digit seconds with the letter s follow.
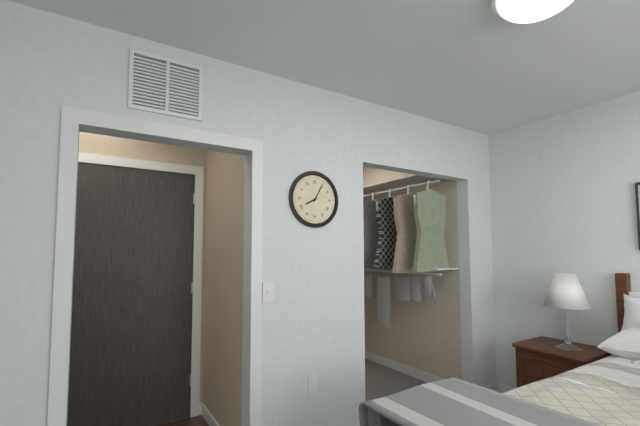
8h05
